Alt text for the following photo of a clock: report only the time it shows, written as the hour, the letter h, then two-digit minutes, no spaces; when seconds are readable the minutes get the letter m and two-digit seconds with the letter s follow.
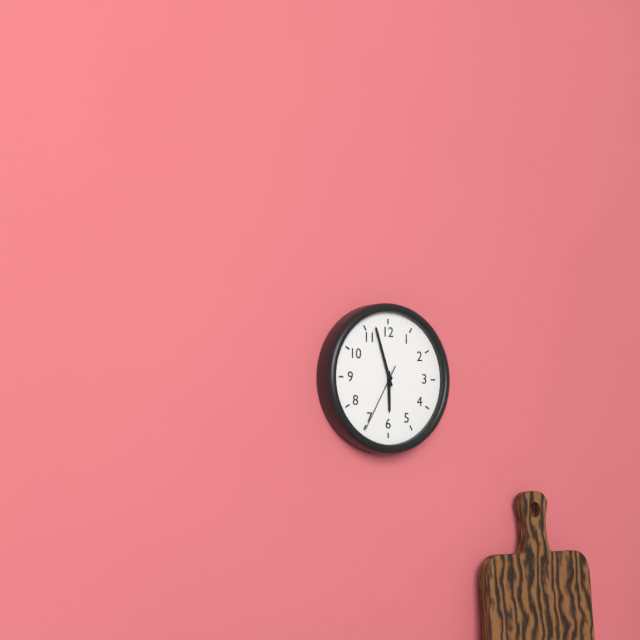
5h57m35s
